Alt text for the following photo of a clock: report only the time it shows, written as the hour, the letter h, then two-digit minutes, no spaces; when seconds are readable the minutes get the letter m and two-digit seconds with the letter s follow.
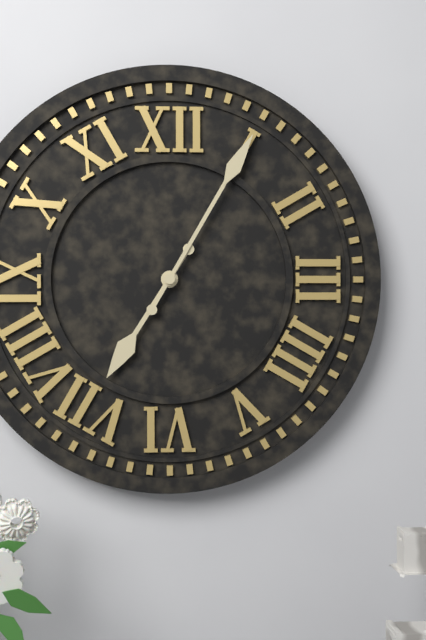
7h05
